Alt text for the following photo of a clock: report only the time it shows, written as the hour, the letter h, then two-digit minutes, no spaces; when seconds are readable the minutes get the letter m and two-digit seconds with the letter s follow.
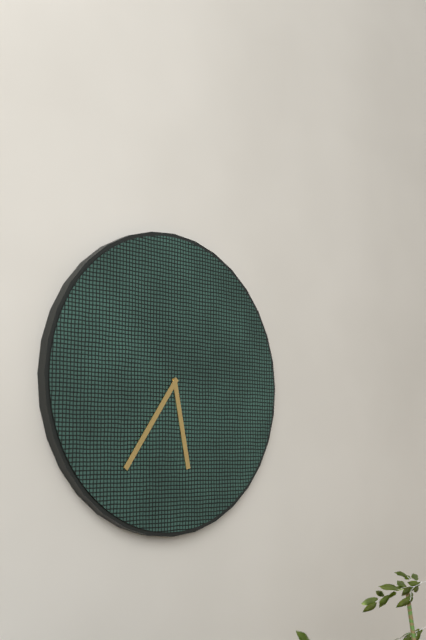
5h36
